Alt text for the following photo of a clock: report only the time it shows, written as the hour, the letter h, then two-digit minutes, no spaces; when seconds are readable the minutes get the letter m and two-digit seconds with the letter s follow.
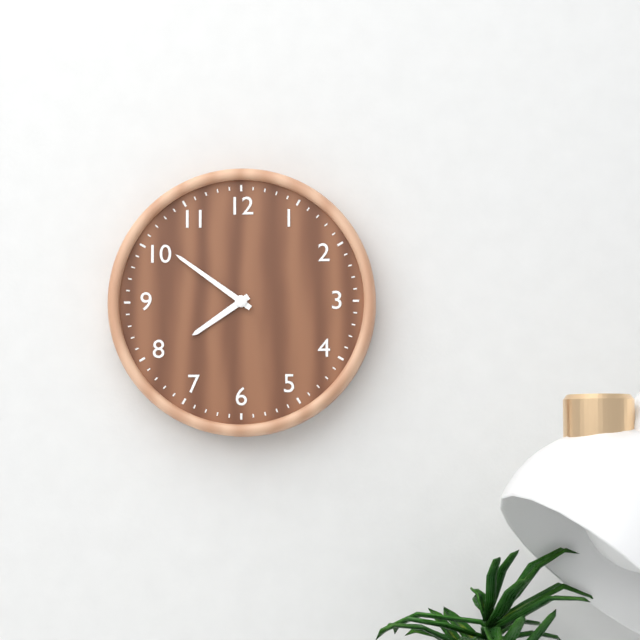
7h51
